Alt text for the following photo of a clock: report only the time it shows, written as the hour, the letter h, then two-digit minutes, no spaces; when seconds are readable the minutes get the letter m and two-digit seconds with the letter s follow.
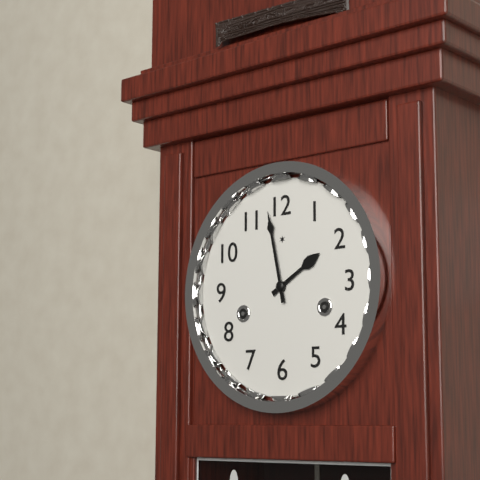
1h58
